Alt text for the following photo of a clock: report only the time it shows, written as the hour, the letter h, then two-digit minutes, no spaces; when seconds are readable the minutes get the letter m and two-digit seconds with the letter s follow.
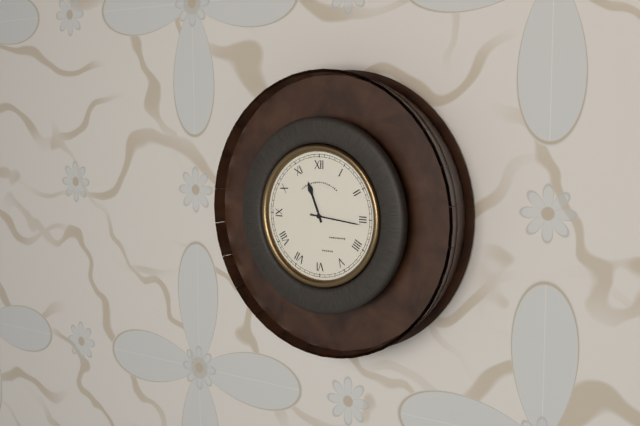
11h16
